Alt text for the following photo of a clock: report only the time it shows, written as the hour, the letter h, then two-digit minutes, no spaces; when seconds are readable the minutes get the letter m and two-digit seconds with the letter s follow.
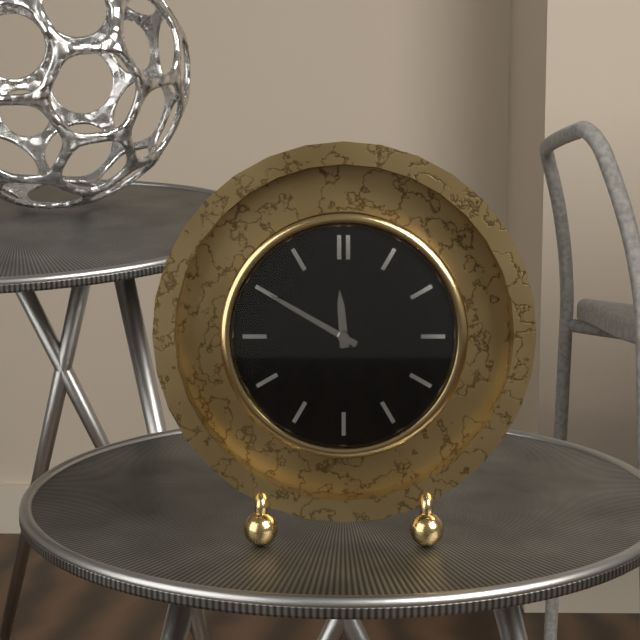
11h50
